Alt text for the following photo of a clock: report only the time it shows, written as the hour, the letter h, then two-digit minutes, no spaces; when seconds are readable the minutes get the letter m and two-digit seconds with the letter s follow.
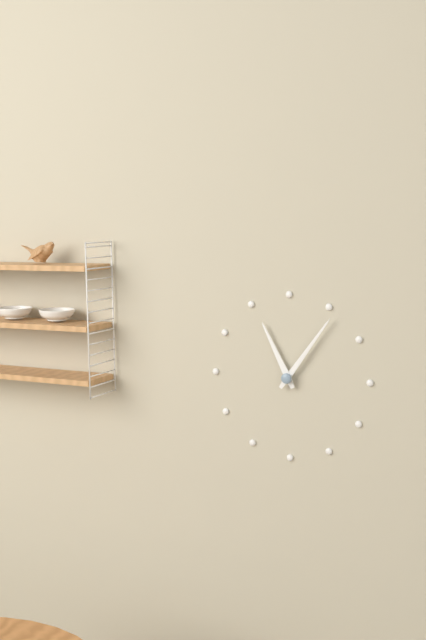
11h06
